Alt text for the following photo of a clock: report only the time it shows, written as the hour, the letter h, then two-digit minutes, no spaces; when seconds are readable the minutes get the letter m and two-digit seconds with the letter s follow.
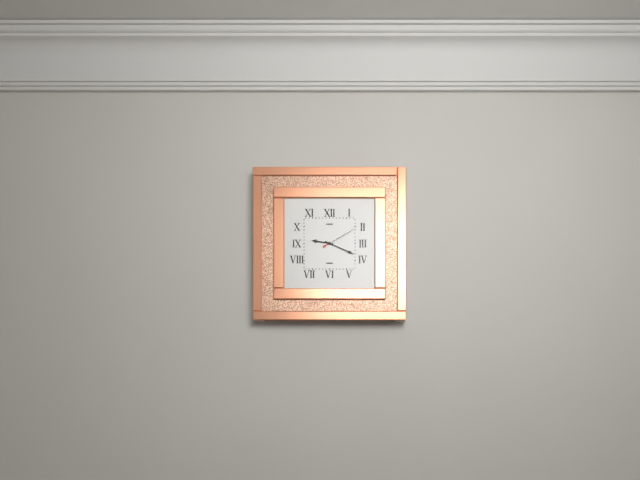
9h19
